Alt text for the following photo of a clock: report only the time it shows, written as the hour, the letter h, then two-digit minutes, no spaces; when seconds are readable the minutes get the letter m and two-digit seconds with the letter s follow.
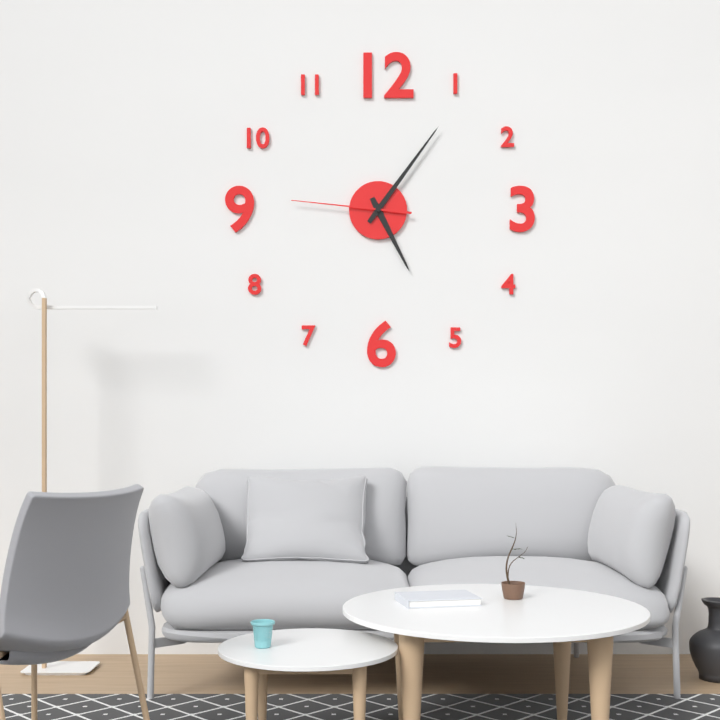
5h06m46s
